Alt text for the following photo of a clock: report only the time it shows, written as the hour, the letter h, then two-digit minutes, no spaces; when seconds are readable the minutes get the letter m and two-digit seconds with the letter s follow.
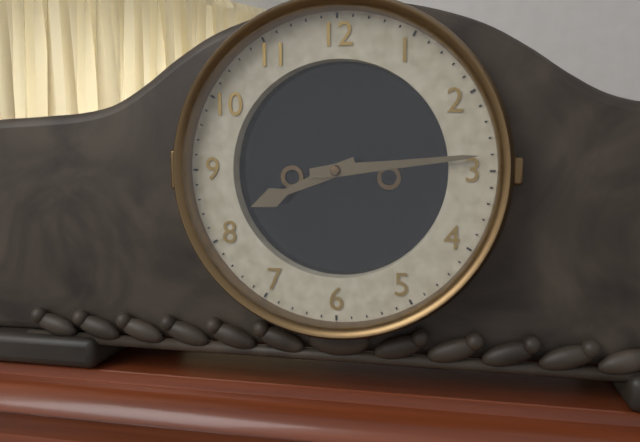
8h14
